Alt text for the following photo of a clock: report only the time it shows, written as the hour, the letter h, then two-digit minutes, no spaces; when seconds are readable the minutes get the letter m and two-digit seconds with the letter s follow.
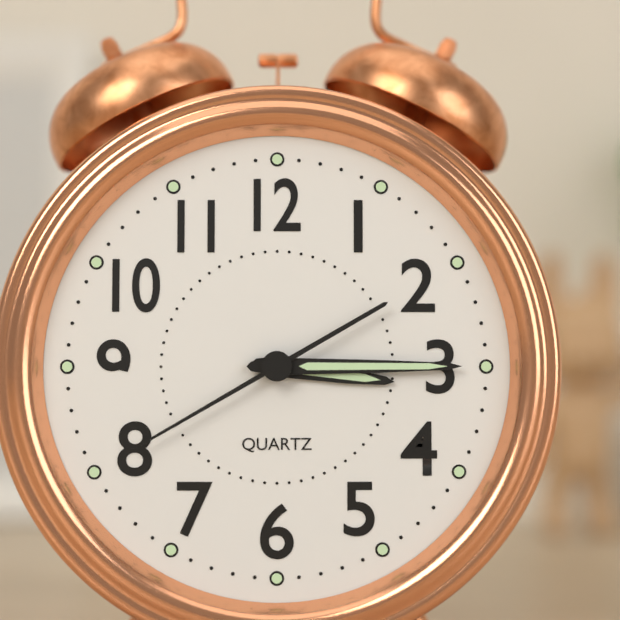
3h15m40s
